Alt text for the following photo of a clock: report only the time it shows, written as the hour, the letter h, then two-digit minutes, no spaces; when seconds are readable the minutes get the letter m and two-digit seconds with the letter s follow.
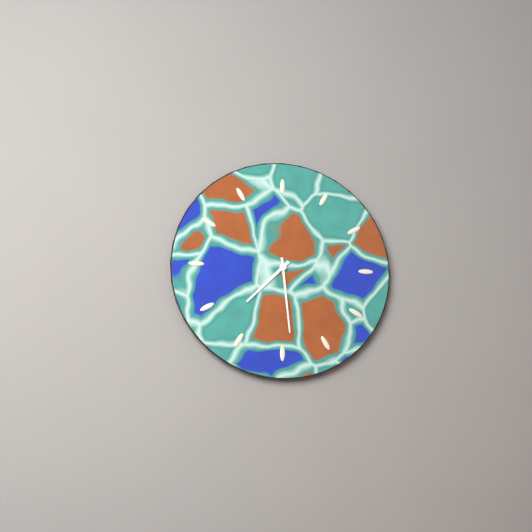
7h29
